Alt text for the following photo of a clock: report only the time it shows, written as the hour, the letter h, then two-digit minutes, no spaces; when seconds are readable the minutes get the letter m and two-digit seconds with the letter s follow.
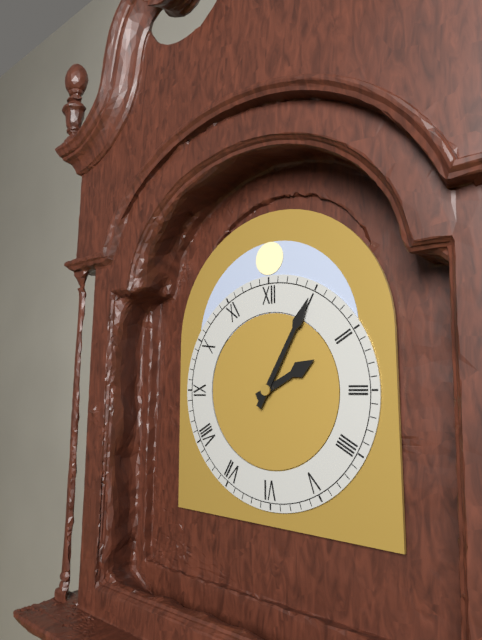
2h05
